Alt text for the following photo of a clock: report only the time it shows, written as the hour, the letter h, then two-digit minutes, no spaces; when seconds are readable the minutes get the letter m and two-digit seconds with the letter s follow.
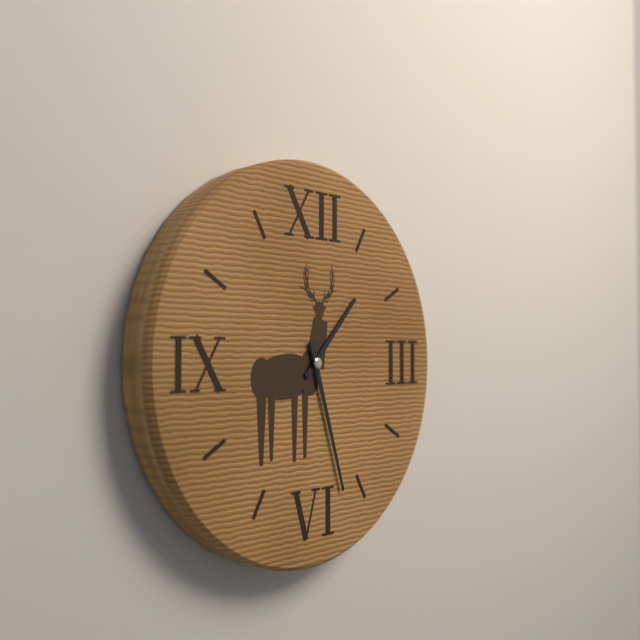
1h27
